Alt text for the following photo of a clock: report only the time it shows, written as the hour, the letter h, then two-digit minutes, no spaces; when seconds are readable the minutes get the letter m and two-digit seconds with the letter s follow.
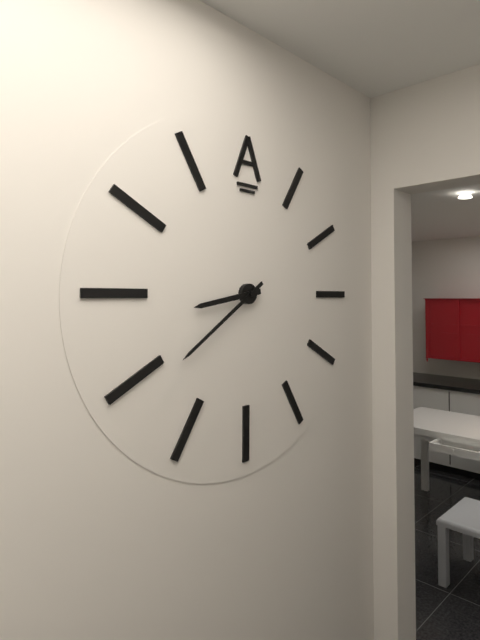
8h39
